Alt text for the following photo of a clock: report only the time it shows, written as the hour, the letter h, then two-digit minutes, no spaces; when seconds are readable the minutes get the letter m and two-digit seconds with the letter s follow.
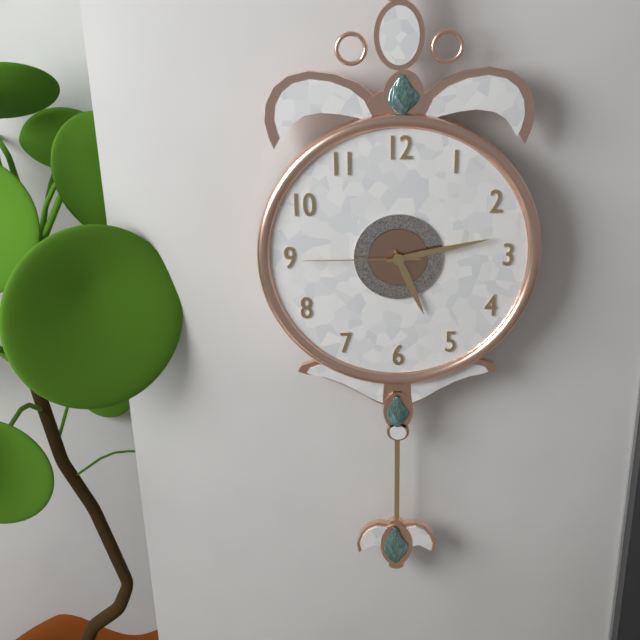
5h13m45s
